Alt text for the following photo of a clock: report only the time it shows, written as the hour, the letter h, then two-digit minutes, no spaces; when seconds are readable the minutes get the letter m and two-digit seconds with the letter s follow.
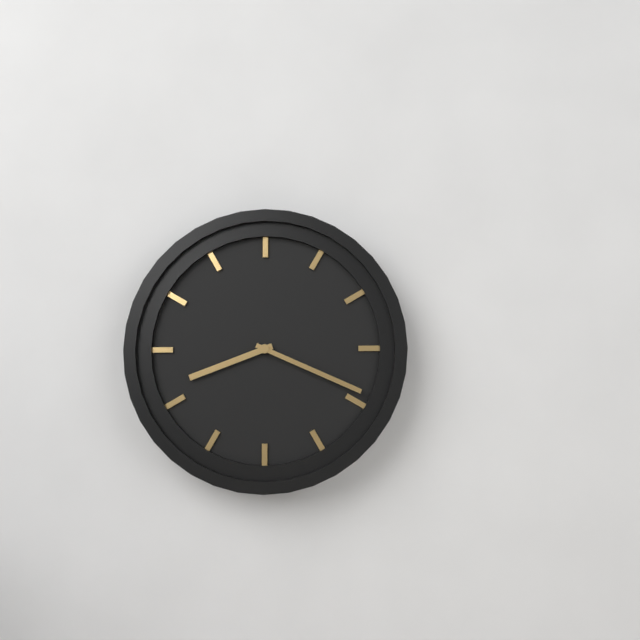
8h19
